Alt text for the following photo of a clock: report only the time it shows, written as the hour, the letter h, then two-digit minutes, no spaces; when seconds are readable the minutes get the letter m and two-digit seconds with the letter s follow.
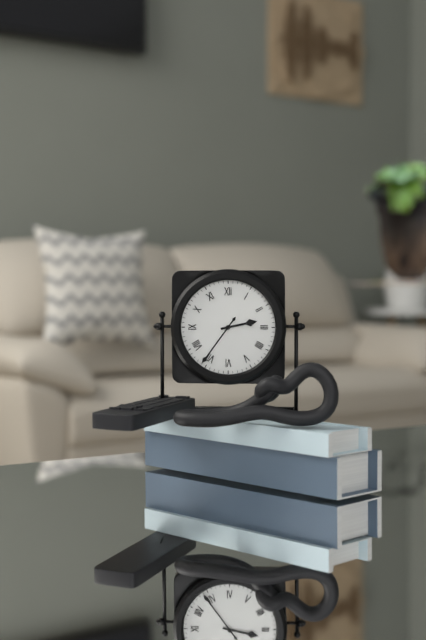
2h36
